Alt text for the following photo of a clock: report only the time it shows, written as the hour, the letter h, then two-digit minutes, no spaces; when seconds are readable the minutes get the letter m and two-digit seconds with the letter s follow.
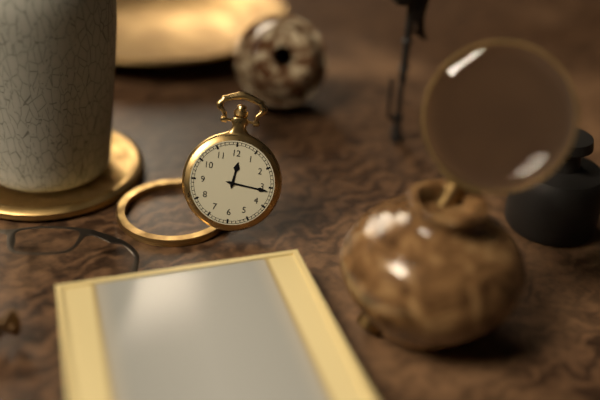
12h16
